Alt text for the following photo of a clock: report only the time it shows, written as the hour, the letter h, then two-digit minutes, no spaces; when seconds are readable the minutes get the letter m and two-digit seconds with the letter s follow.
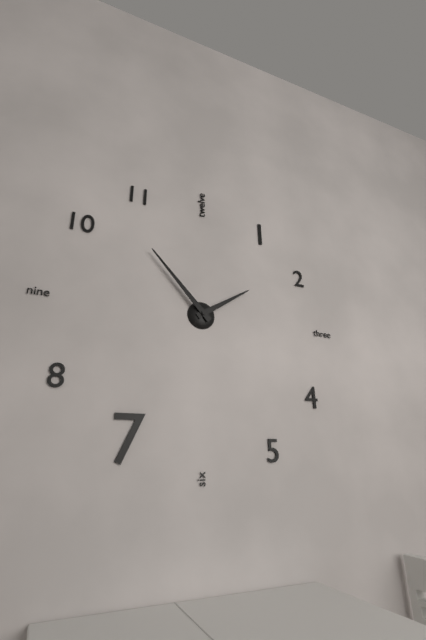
1h53
